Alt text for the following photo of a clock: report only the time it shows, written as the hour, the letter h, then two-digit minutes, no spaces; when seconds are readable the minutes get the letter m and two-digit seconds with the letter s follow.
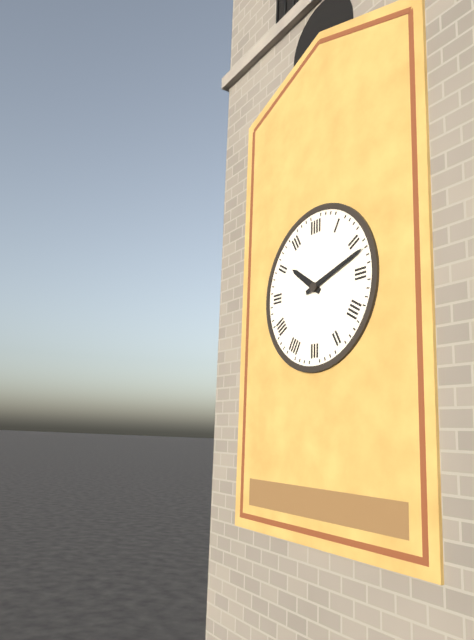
10h12
